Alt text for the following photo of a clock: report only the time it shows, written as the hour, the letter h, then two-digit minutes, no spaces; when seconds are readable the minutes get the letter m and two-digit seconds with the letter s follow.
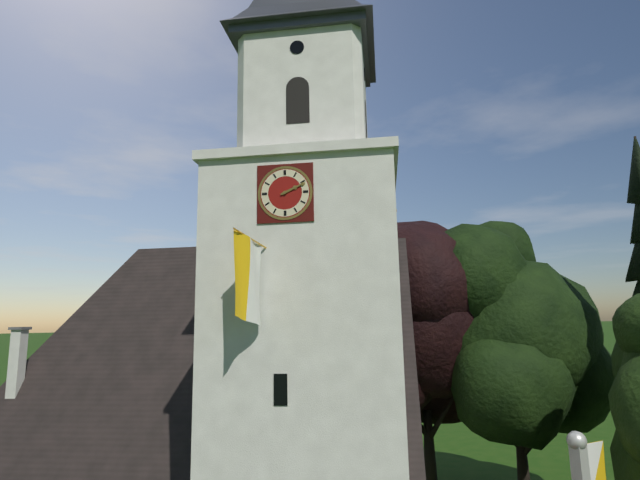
2h11
